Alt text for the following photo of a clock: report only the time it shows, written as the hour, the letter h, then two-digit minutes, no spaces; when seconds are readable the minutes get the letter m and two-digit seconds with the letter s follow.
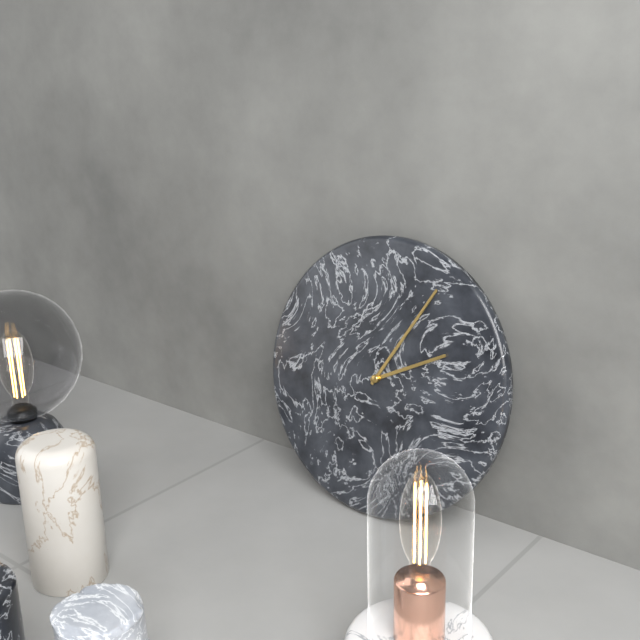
2h05
